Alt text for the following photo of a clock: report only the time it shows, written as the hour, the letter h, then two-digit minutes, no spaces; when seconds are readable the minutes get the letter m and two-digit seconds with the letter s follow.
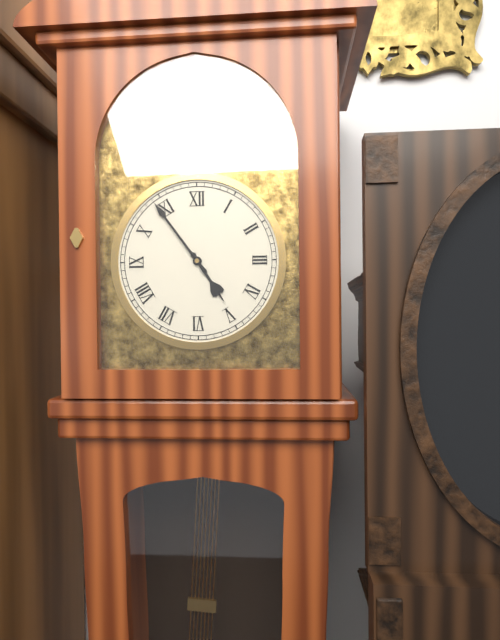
4h54
